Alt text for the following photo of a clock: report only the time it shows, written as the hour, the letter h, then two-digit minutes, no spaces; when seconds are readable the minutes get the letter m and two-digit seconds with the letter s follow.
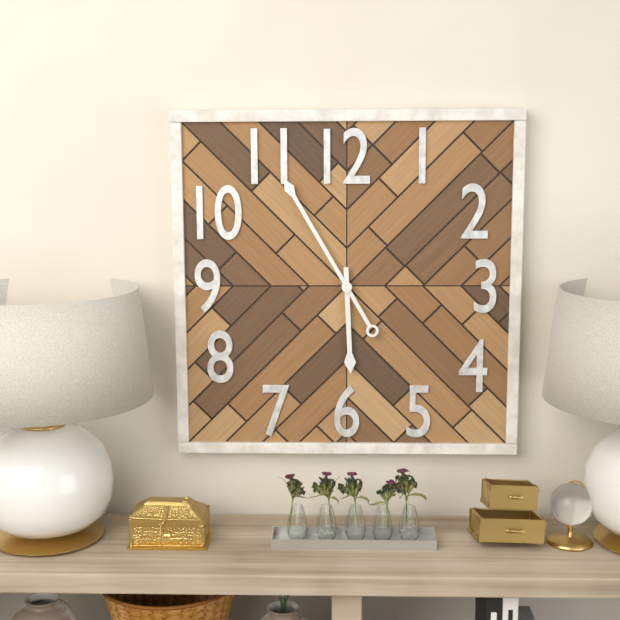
5h55
